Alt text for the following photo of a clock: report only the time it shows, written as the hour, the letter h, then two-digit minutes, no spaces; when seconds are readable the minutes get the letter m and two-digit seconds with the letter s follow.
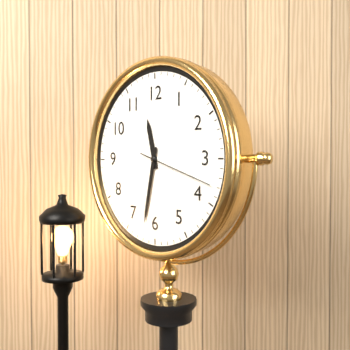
11h32m18s
